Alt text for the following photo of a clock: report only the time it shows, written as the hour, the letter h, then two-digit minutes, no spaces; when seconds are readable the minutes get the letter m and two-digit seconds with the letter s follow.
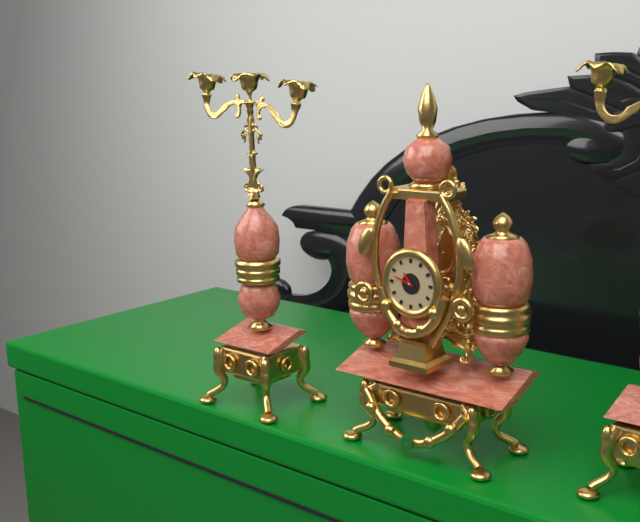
10h48
